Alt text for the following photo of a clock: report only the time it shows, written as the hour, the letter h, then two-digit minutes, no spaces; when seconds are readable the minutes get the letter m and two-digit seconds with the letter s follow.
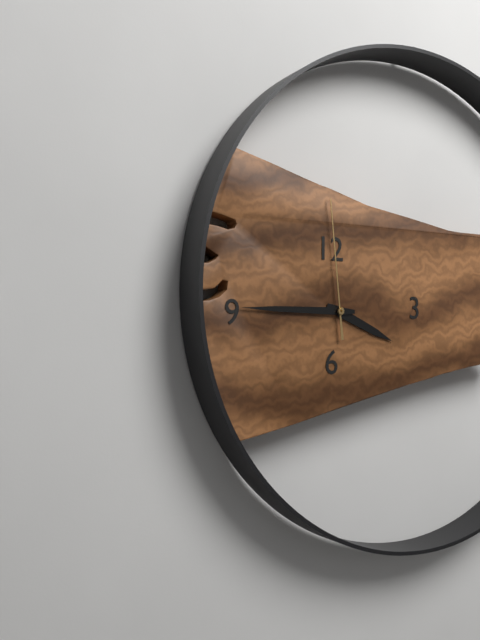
3h45m59s
